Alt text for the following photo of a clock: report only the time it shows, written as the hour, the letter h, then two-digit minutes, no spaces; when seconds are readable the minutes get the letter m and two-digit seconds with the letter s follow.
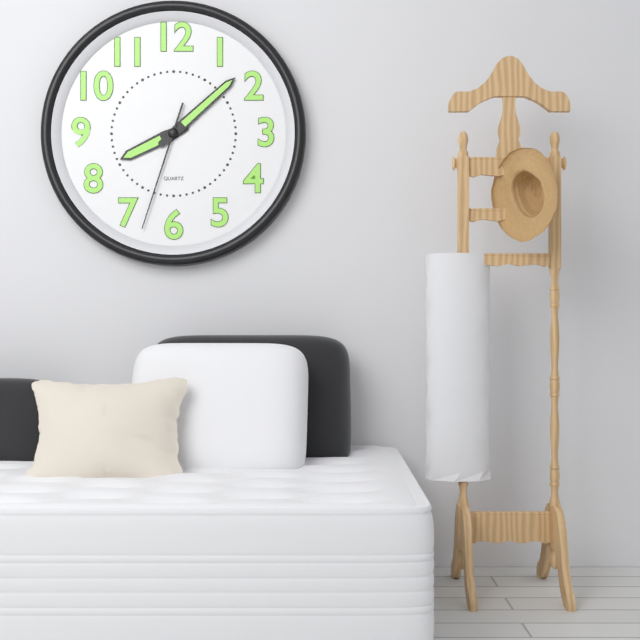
8h08m33s
